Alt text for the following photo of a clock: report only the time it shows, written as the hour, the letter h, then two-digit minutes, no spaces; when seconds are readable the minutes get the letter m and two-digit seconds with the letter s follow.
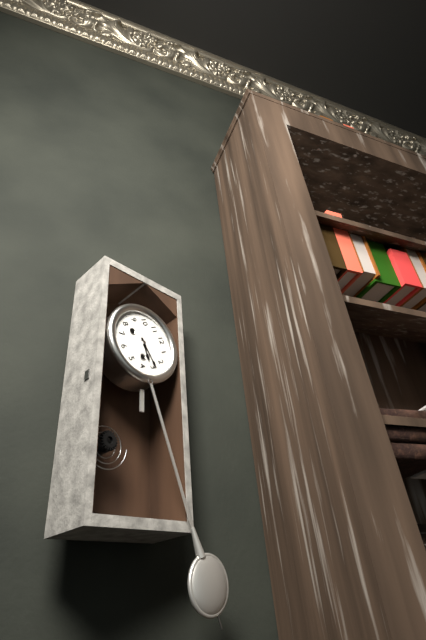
3h14
